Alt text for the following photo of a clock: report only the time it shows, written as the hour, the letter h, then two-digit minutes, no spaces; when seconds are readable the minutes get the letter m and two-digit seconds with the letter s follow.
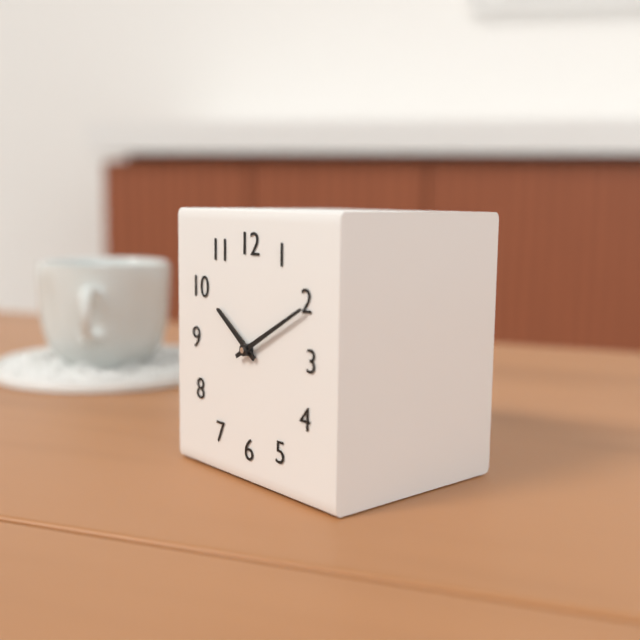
10h10
